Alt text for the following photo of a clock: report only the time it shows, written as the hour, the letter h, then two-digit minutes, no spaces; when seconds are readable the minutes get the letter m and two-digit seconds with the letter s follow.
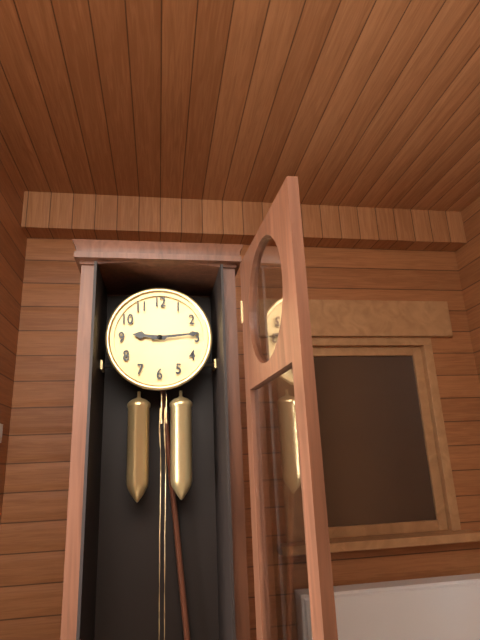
9h14
